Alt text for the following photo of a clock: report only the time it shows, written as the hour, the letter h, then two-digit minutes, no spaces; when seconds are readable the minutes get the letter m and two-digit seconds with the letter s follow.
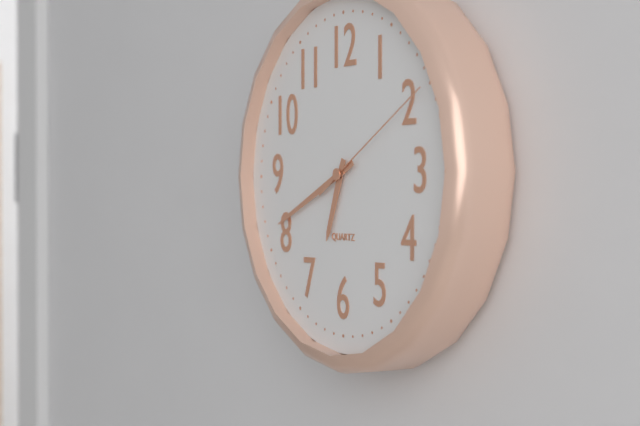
6h41m10s
